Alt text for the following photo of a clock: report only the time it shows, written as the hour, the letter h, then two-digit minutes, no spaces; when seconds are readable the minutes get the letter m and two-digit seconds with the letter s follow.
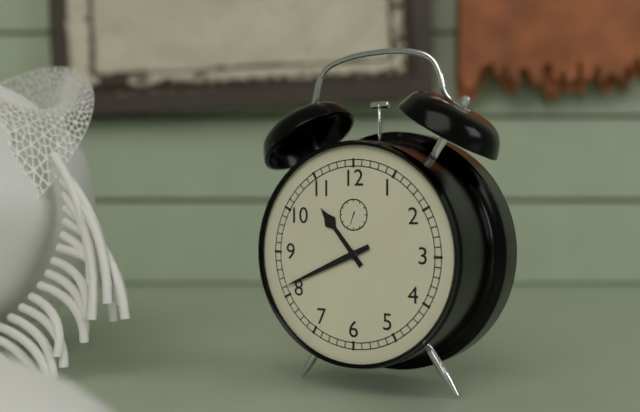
10h41
